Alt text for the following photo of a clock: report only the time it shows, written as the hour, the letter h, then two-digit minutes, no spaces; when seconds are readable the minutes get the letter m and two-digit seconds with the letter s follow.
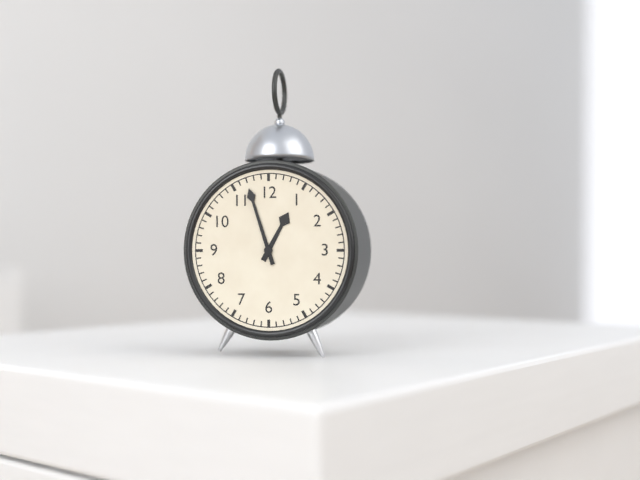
12h57
